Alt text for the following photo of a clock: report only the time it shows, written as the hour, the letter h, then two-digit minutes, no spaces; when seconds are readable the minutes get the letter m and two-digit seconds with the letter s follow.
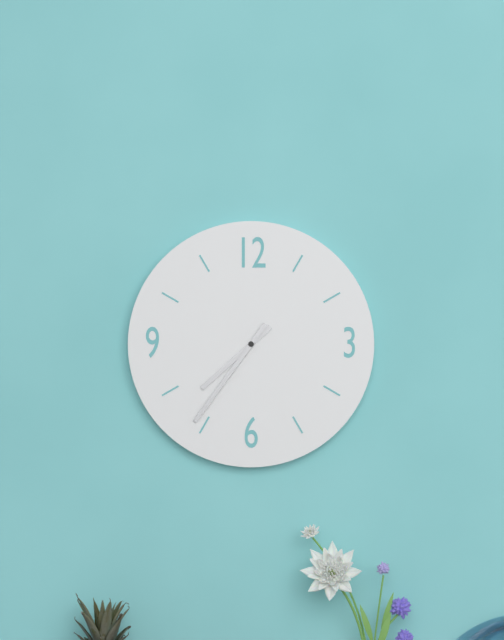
7h36
